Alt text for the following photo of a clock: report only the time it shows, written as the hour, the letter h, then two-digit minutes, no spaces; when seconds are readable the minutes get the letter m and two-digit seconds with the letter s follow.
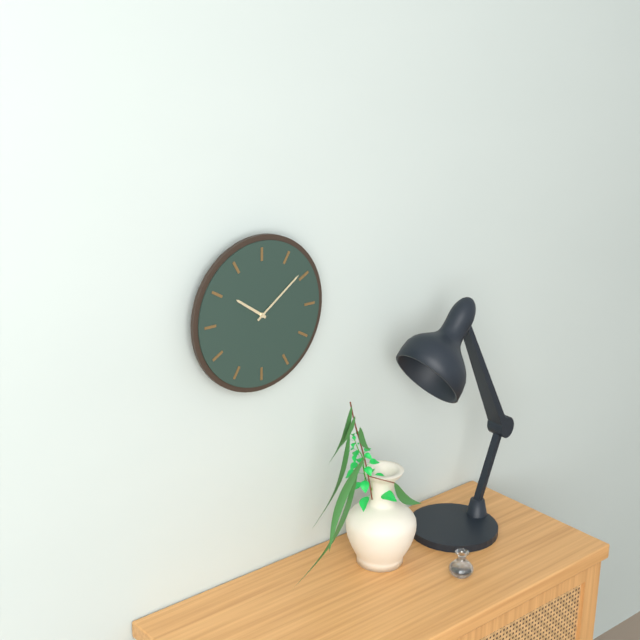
10h09
